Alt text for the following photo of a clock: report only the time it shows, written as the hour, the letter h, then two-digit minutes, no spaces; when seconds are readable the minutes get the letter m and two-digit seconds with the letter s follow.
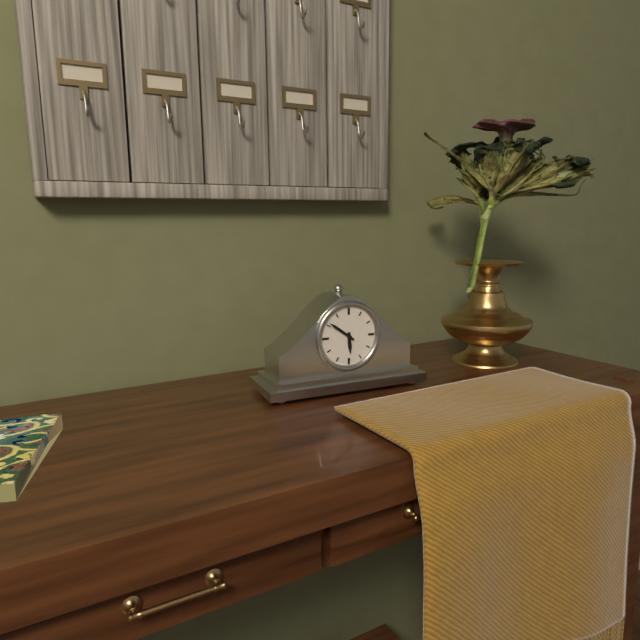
5h51
